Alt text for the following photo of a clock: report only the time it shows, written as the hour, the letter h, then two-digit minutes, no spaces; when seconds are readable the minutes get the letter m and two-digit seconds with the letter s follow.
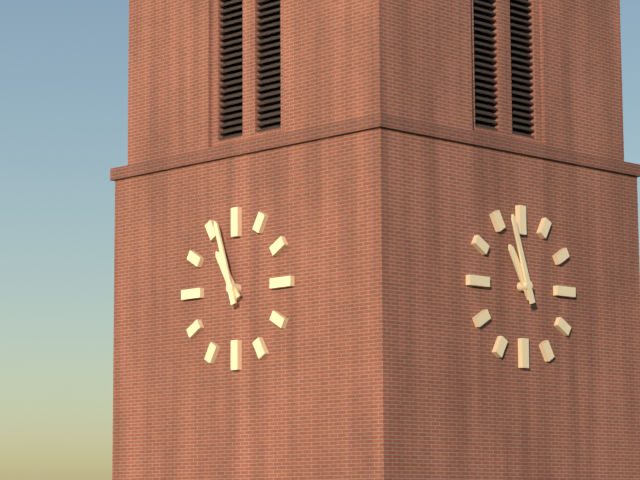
10h57
